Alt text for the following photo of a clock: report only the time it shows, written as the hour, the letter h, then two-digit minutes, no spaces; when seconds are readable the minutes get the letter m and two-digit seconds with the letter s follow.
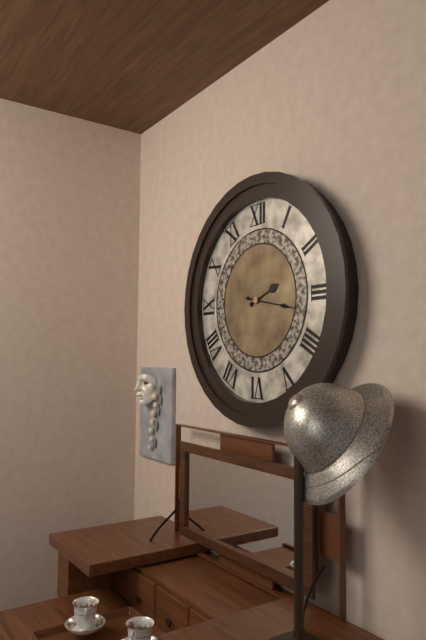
2h17
